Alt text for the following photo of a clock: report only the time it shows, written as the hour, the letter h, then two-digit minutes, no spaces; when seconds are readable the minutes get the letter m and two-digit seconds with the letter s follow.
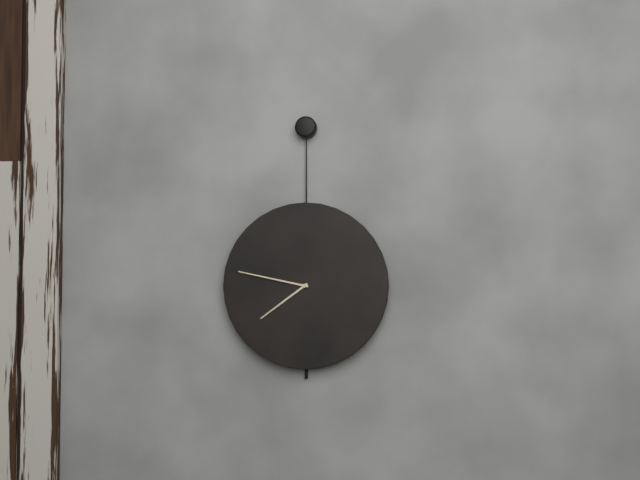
7h47
